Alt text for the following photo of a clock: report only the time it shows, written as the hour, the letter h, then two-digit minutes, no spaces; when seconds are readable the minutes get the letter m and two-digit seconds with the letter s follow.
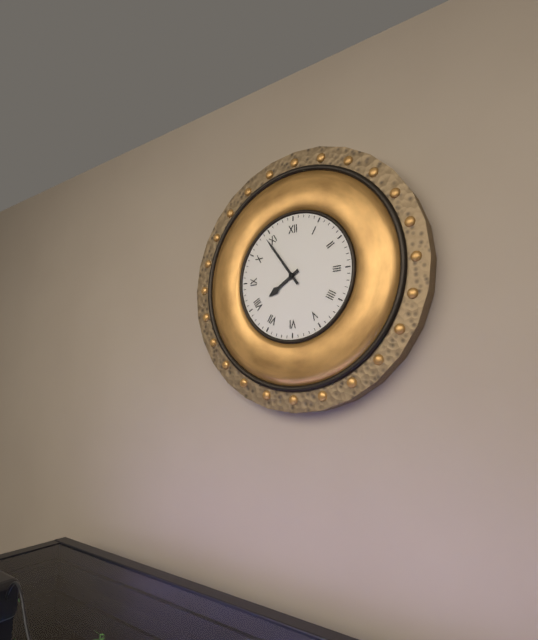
7h54
